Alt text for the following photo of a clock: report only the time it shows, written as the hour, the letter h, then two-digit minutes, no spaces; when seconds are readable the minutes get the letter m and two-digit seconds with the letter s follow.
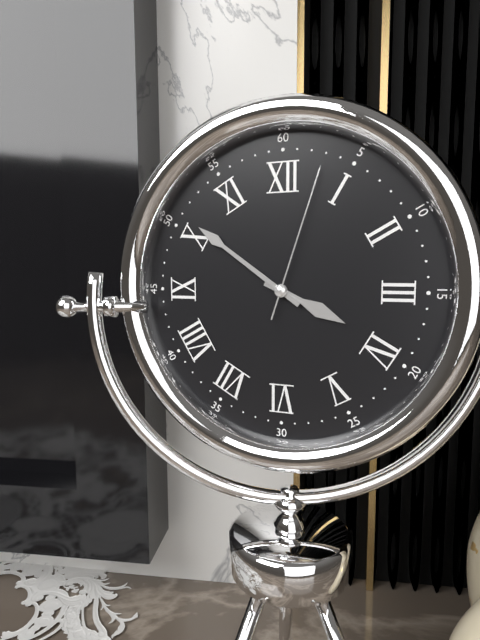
3h51m03s
